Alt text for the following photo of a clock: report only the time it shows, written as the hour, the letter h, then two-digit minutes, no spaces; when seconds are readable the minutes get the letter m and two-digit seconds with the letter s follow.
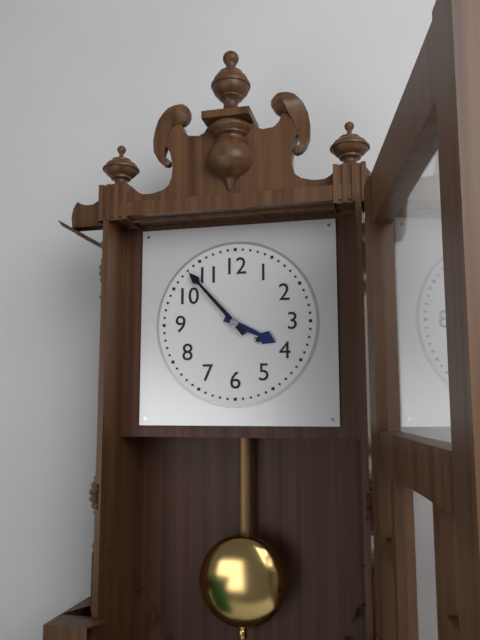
3h53
